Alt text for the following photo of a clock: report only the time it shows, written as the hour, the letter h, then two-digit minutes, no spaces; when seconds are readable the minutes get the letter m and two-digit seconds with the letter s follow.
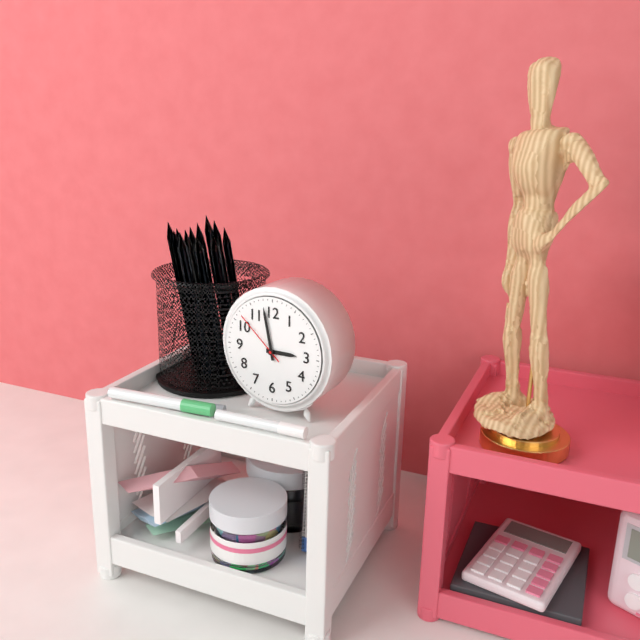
2h58m52s
